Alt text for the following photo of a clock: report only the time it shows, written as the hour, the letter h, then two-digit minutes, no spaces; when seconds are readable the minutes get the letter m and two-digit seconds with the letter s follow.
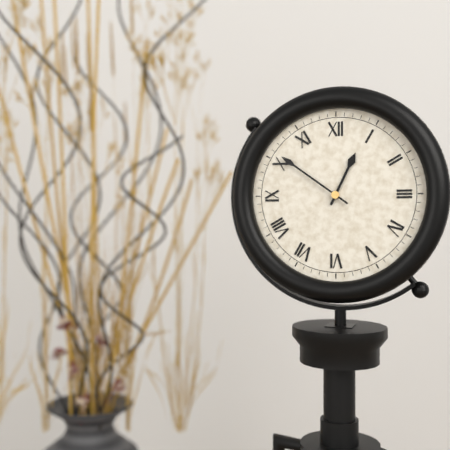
12h51
